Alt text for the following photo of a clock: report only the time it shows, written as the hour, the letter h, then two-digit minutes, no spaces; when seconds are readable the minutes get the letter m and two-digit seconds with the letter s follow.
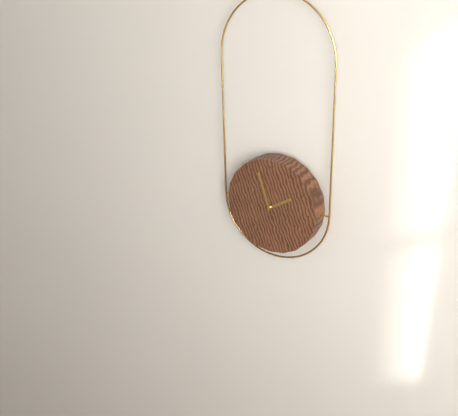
1h57
